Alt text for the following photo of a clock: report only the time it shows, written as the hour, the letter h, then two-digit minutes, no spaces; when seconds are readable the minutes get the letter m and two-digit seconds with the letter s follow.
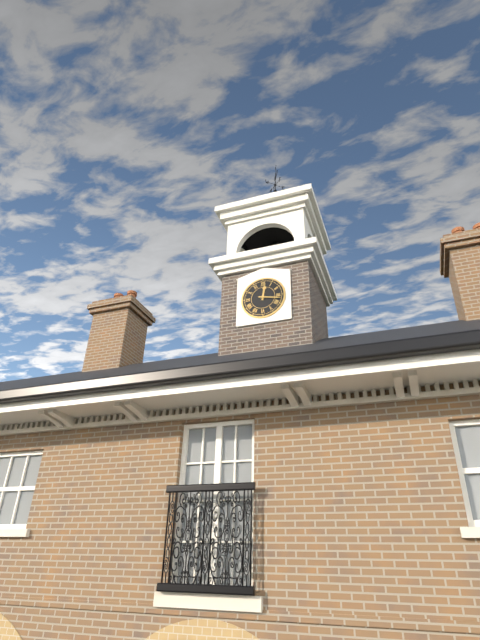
12h17
